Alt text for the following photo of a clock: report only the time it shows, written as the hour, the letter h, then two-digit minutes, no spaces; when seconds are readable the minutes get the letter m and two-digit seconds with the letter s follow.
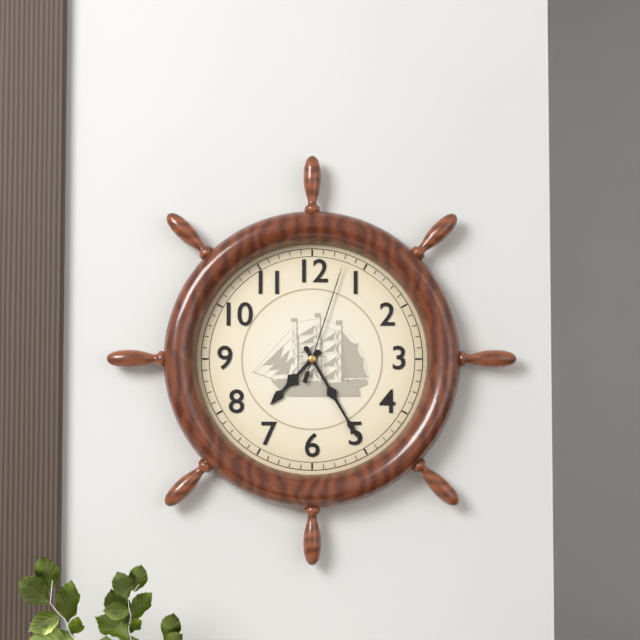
7h25m03s
